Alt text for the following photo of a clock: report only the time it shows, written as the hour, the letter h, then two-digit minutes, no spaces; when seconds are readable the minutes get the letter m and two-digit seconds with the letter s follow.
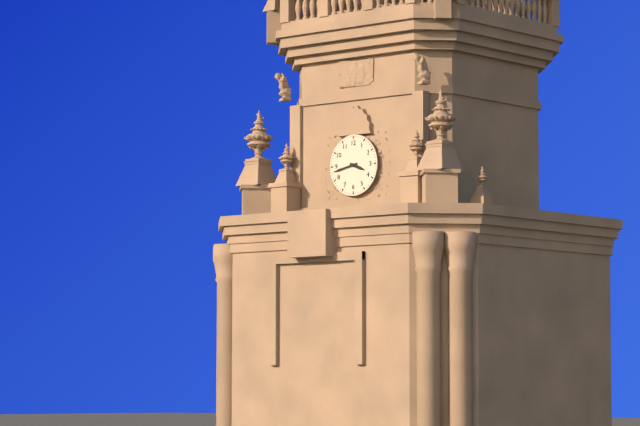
3h43
